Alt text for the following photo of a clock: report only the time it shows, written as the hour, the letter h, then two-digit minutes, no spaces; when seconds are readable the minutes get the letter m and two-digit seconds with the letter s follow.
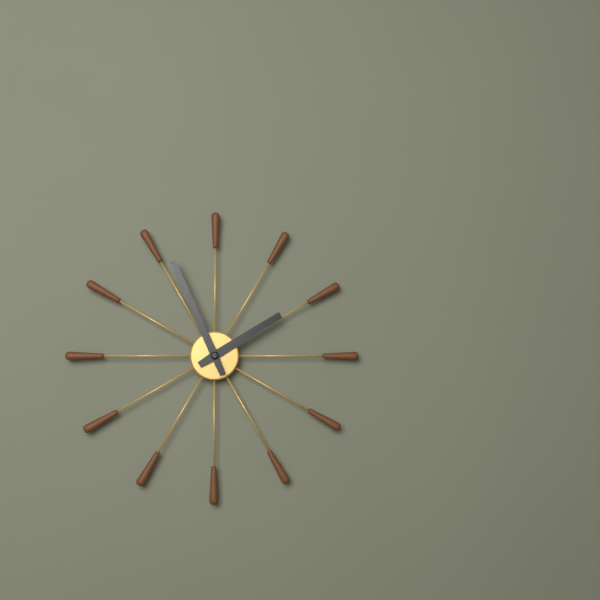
1h56
